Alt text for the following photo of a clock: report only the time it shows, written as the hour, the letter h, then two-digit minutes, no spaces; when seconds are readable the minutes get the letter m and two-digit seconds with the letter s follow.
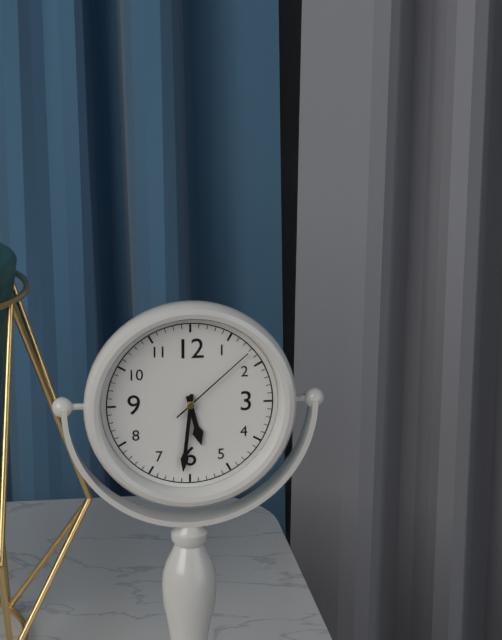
5h31m08s
